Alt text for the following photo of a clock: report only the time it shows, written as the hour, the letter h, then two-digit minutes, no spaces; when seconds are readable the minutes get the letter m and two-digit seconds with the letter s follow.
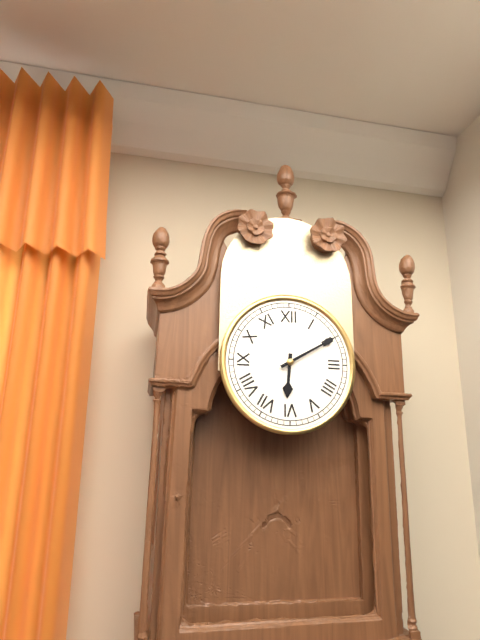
6h10
